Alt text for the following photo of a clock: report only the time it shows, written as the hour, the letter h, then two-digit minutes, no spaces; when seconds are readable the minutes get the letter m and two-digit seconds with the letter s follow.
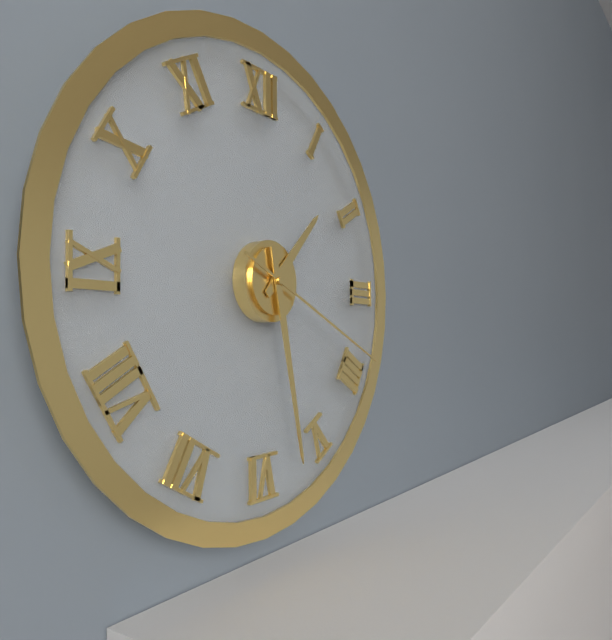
1h28m19s
